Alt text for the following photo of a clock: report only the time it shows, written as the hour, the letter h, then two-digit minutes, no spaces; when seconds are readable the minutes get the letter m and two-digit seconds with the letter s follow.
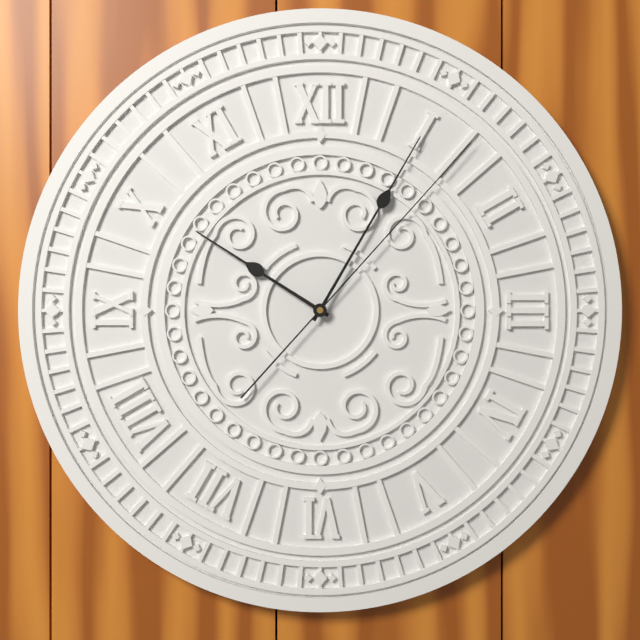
10h05m07s
